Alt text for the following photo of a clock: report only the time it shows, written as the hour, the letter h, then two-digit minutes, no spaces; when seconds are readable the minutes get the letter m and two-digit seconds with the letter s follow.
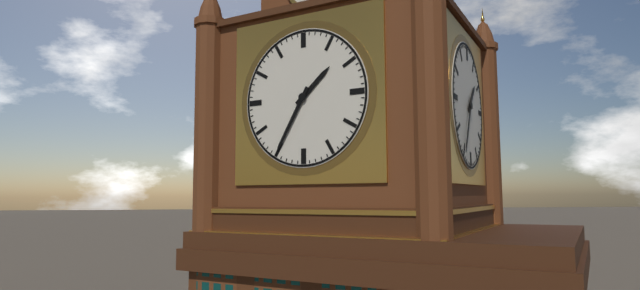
1h35
